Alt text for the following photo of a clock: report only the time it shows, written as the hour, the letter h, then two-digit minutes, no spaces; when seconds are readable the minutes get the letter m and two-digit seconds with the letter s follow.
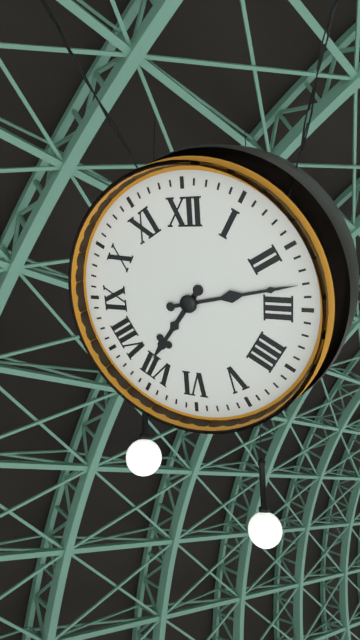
7h13
